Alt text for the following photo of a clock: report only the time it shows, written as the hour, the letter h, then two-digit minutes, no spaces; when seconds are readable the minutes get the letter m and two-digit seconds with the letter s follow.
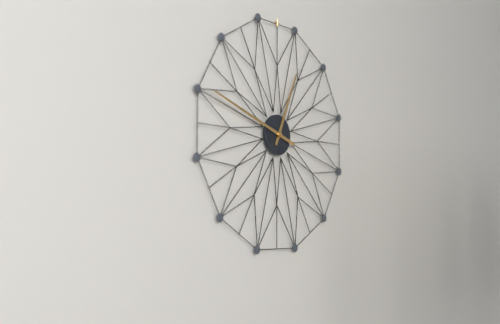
12h48
